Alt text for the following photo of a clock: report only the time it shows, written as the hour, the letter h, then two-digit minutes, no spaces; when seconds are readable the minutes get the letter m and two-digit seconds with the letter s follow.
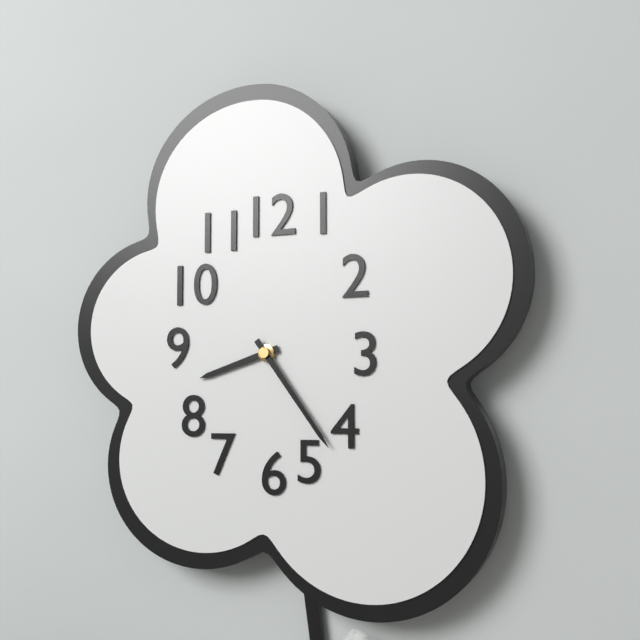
8h24
